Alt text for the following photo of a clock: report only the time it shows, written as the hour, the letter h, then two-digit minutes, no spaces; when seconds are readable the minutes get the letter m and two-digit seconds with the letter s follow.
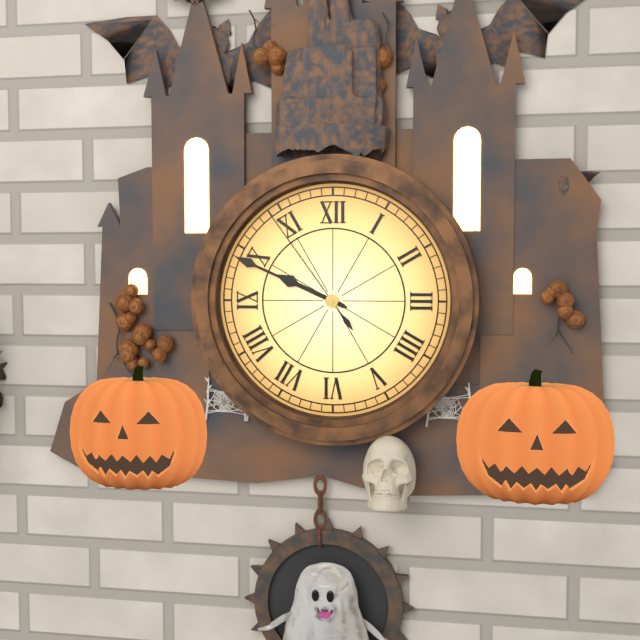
9h49m54s
